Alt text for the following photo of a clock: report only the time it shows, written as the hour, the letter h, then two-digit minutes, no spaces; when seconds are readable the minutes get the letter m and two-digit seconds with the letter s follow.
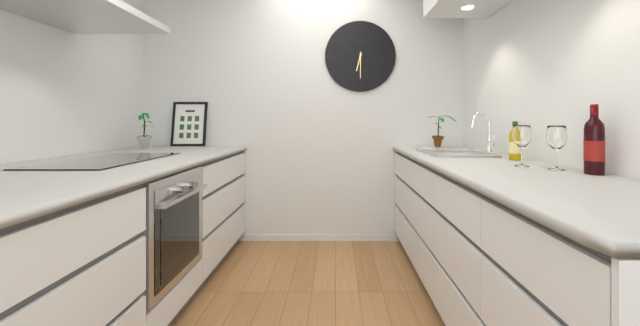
6h30
